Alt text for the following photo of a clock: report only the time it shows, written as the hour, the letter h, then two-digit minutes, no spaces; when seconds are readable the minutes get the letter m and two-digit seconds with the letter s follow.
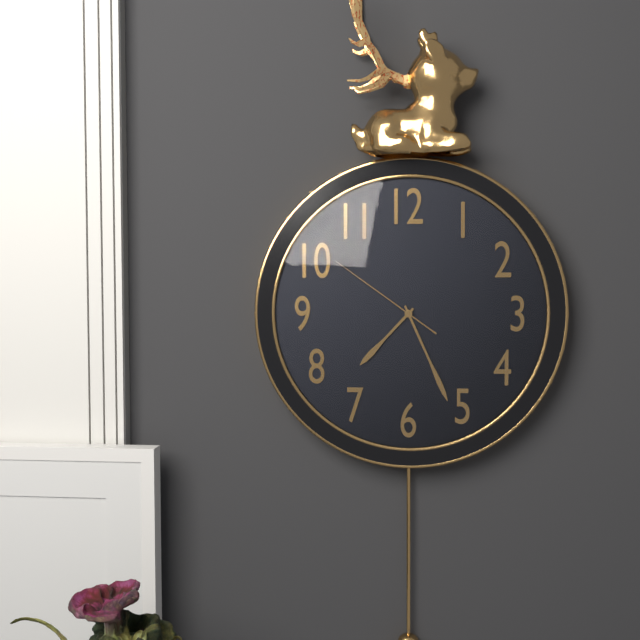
7h26m51s
